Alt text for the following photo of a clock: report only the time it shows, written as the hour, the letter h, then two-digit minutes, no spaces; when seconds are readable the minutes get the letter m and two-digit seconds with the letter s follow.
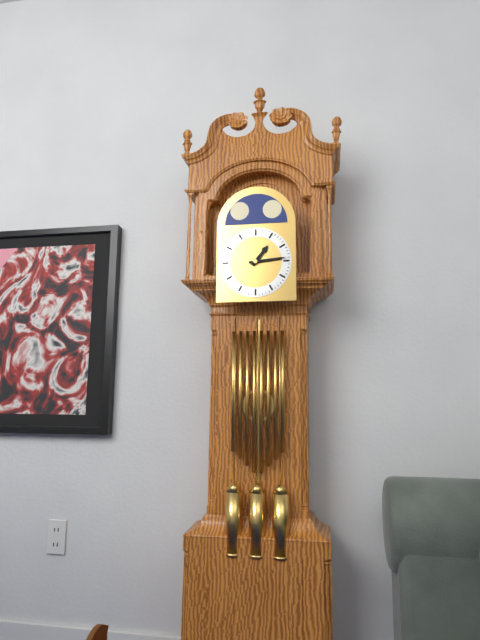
1h14
